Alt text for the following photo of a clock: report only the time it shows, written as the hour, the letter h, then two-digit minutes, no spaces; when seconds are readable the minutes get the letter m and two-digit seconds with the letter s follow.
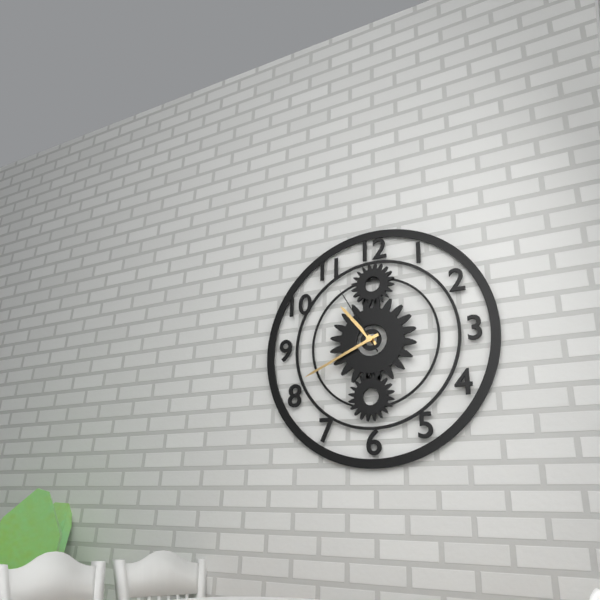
10h41m55s
